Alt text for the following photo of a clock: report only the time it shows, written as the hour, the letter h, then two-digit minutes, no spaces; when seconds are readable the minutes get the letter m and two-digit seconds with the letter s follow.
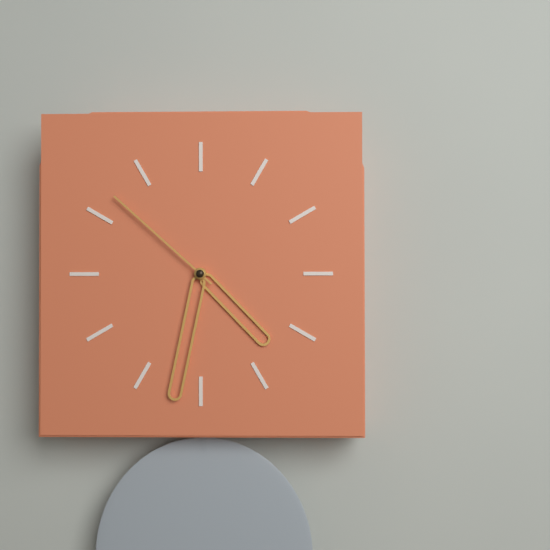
4h32m52s
